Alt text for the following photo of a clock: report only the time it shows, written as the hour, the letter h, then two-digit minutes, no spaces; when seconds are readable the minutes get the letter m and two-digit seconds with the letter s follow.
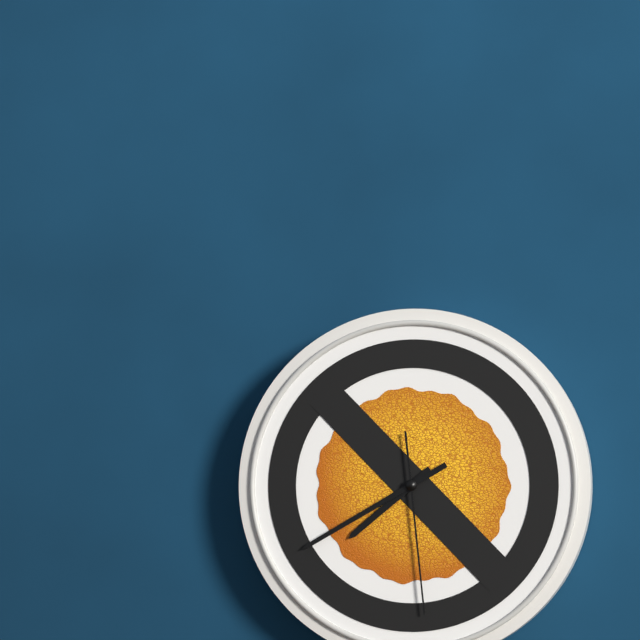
7h40m29s
